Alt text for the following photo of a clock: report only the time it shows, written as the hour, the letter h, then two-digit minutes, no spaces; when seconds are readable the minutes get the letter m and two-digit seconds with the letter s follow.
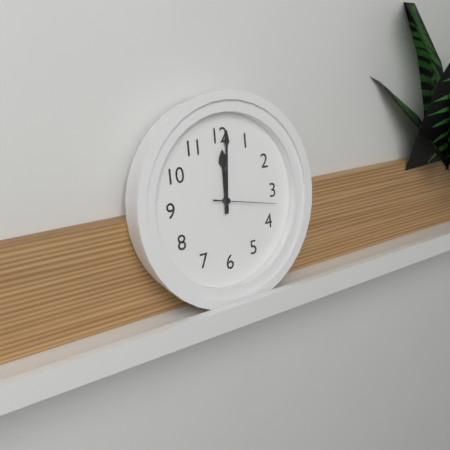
12h01m17s
